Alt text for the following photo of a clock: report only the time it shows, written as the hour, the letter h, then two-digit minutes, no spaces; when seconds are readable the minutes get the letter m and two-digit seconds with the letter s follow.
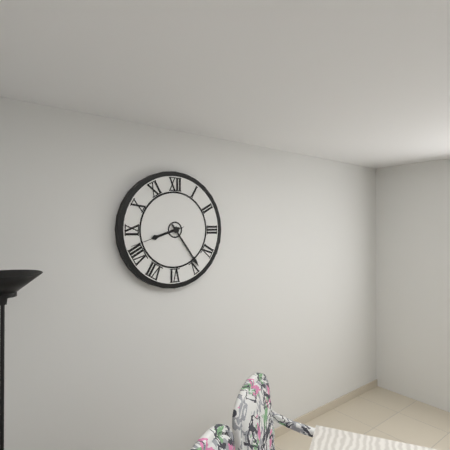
8h24m42s
